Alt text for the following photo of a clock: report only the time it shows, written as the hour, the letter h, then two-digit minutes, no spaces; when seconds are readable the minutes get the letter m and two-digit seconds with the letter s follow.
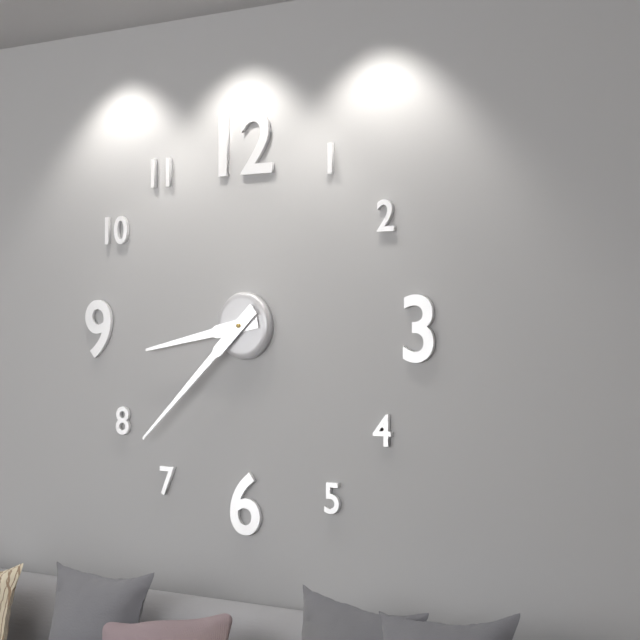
8h38
